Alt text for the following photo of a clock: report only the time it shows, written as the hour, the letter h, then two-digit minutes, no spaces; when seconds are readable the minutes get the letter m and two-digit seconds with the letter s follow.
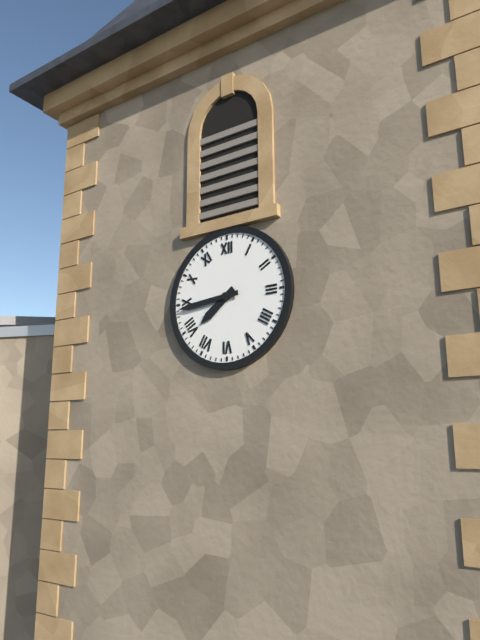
7h44
